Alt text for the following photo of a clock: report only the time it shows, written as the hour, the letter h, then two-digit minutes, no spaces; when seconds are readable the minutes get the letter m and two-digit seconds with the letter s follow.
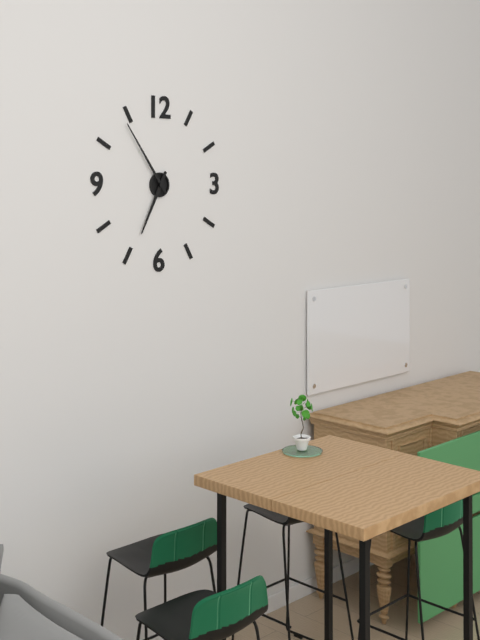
6h54
